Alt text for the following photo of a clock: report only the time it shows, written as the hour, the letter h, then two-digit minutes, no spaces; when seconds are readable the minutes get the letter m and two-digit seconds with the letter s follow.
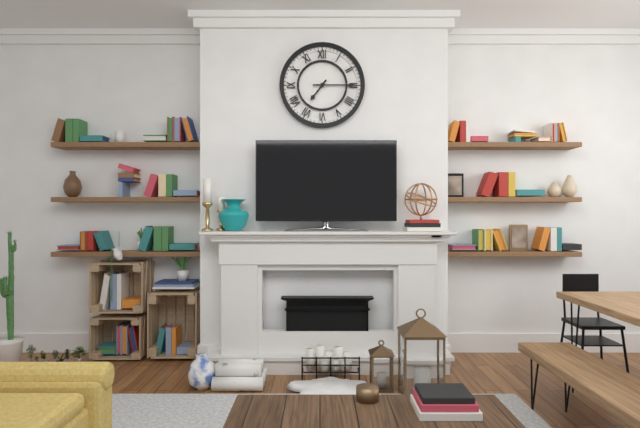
7h15
